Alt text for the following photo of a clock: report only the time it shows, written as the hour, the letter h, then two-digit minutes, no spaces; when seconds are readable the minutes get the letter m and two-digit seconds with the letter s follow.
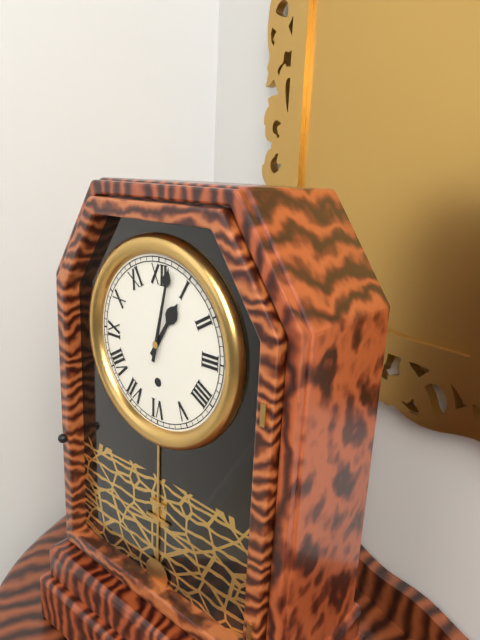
1h02
